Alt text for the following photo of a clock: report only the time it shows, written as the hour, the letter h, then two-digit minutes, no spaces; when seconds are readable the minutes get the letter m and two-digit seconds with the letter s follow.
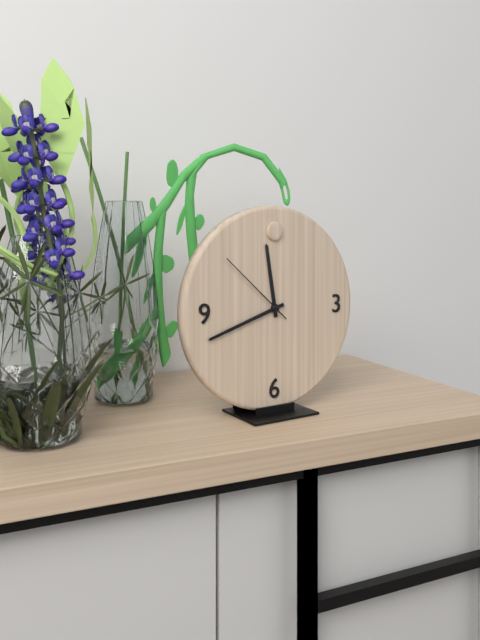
11h42m52s
